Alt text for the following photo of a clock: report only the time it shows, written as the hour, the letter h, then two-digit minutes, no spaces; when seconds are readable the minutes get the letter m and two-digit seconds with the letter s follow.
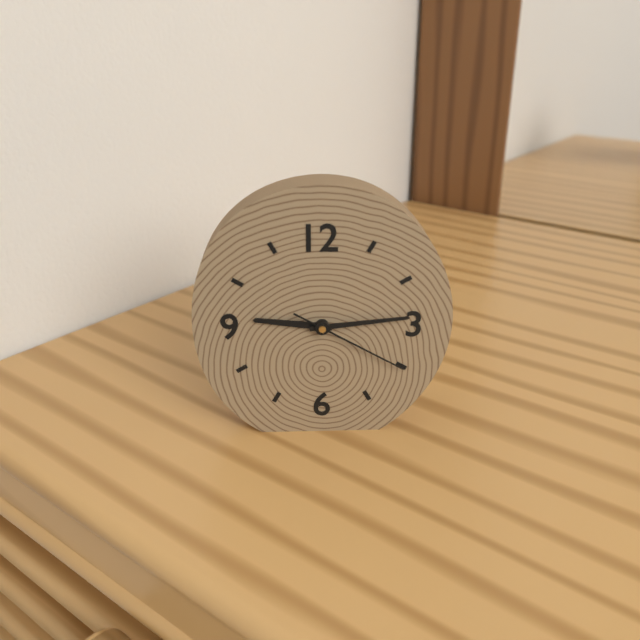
9h14m20s
